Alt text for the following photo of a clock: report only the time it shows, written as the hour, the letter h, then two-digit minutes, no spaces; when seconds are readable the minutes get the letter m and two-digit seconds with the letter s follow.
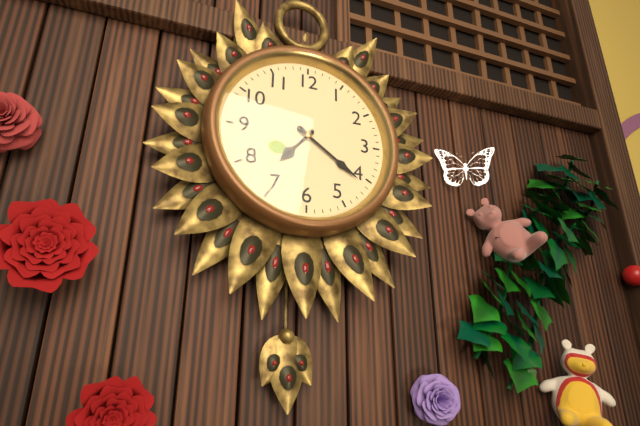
7h21
